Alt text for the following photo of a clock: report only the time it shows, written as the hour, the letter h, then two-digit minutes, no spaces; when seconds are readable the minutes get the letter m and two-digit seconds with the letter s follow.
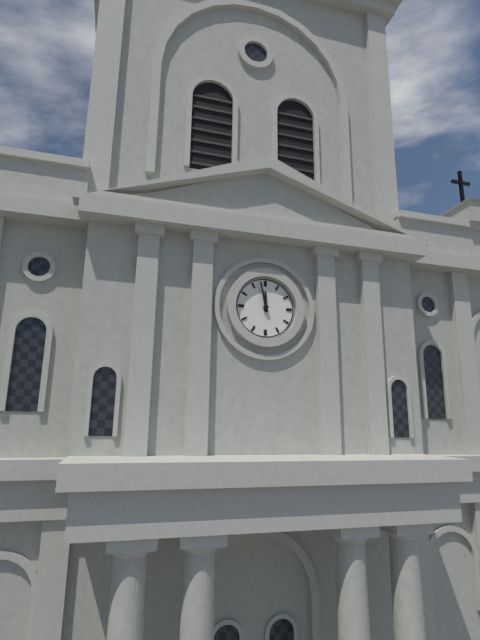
11h58
